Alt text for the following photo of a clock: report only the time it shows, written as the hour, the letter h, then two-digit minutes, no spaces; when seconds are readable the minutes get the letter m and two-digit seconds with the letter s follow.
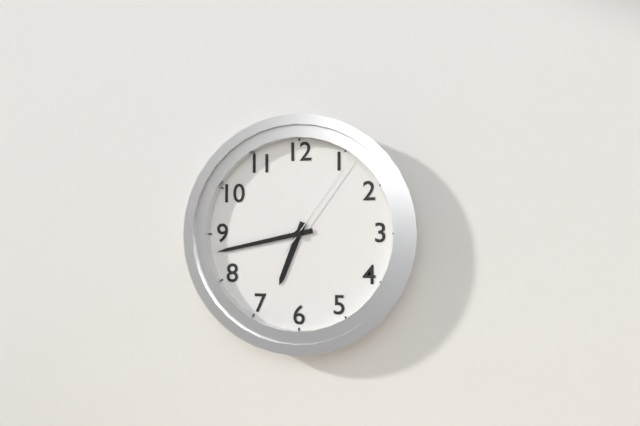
6h43m06s
